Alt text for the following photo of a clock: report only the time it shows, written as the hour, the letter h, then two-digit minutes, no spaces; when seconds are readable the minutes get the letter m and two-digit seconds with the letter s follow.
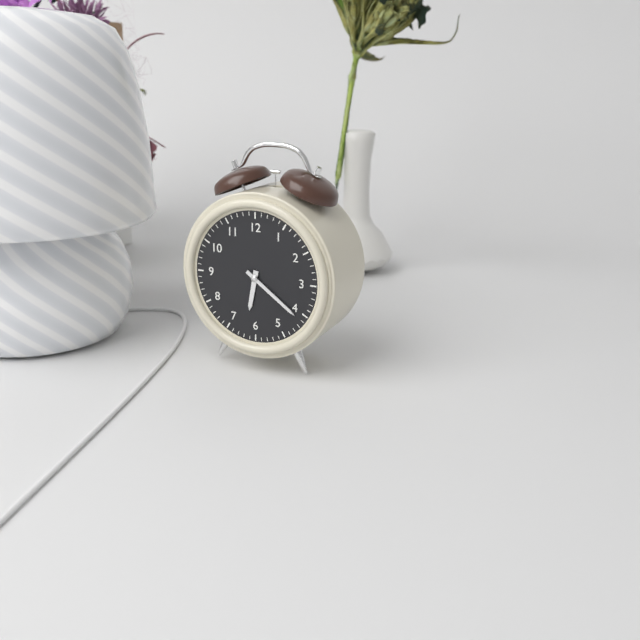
6h21
